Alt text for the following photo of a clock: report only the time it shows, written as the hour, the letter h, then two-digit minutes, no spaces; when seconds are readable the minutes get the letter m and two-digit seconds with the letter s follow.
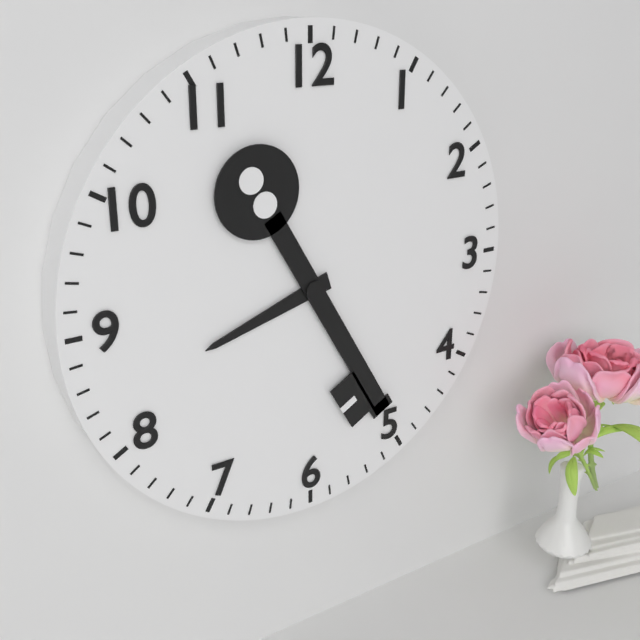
8h25
